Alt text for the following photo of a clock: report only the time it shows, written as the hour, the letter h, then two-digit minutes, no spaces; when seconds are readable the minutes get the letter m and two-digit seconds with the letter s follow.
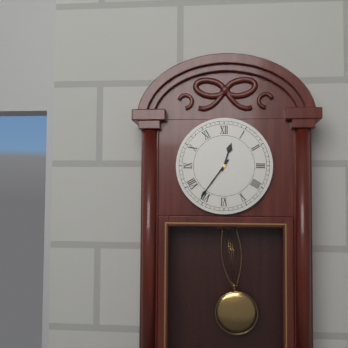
12h36
